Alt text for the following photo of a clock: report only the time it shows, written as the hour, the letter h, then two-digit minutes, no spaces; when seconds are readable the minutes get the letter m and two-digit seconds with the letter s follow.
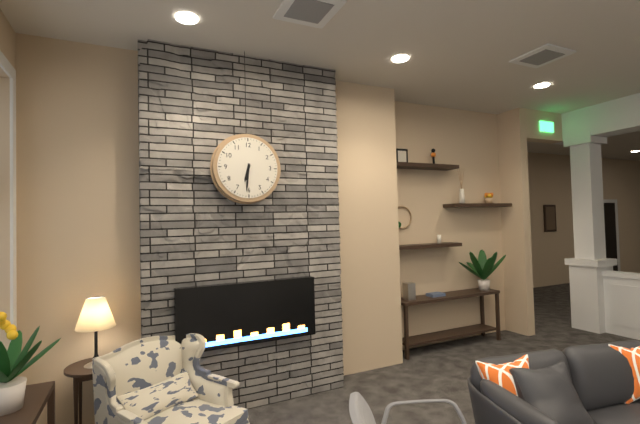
6h31
